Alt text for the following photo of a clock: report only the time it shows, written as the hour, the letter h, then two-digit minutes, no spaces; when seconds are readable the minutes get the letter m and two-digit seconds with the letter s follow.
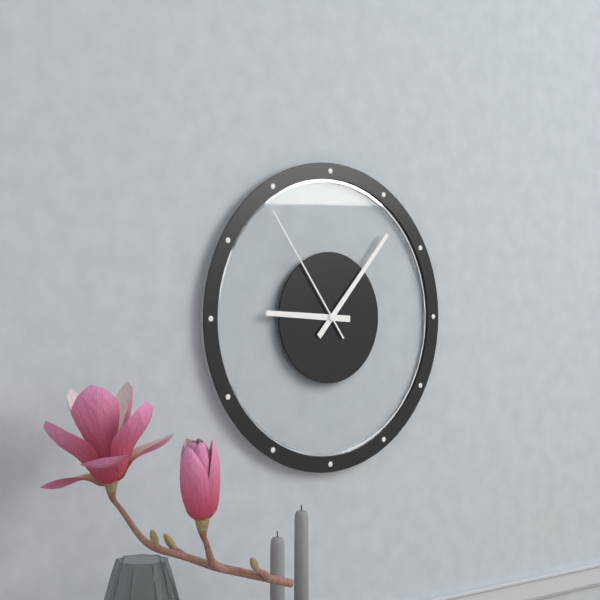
9h07m54s
